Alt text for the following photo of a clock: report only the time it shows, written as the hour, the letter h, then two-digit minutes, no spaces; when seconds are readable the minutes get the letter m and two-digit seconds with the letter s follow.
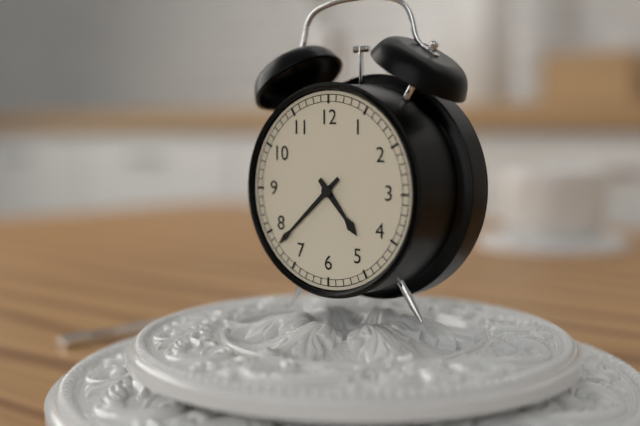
4h38
